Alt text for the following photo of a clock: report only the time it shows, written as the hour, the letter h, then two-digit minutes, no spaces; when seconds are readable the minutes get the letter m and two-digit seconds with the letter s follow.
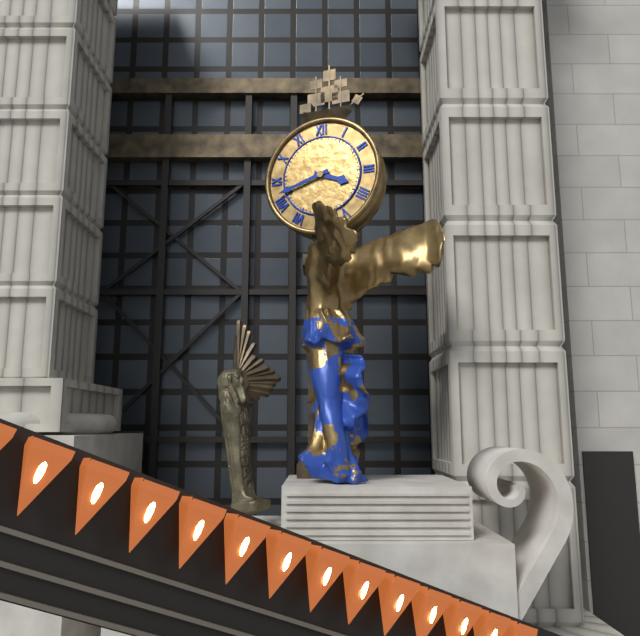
3h42
